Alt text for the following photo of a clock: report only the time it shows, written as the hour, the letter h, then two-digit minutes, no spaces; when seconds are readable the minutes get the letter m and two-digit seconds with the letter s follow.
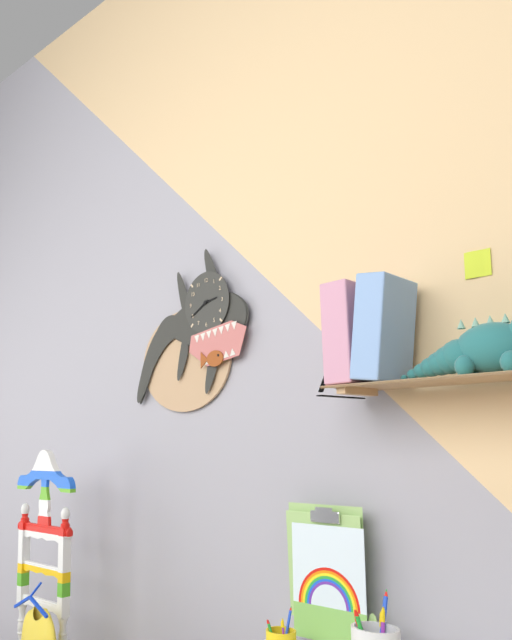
2h40
